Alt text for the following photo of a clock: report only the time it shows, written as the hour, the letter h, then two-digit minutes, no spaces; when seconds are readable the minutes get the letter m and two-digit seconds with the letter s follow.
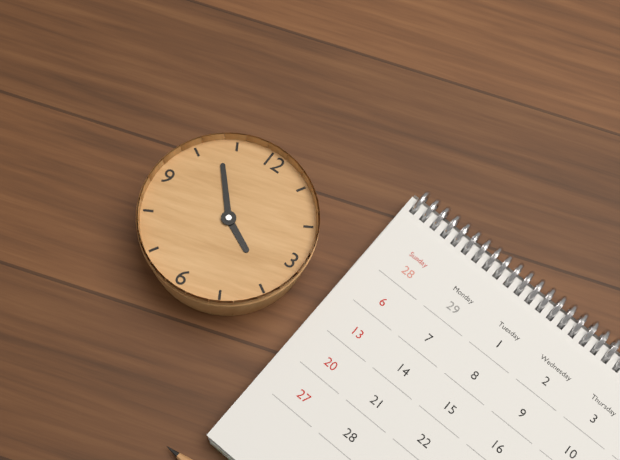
3h53
